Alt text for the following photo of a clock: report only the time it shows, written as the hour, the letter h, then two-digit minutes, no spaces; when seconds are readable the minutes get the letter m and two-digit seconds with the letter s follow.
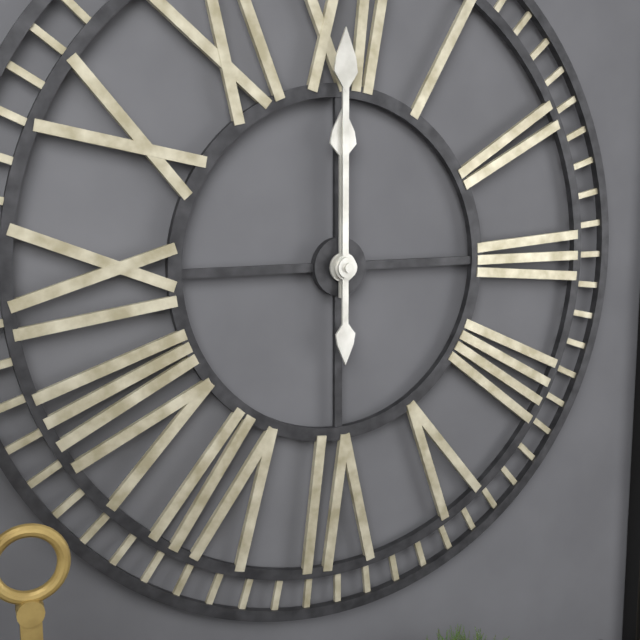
12h00
